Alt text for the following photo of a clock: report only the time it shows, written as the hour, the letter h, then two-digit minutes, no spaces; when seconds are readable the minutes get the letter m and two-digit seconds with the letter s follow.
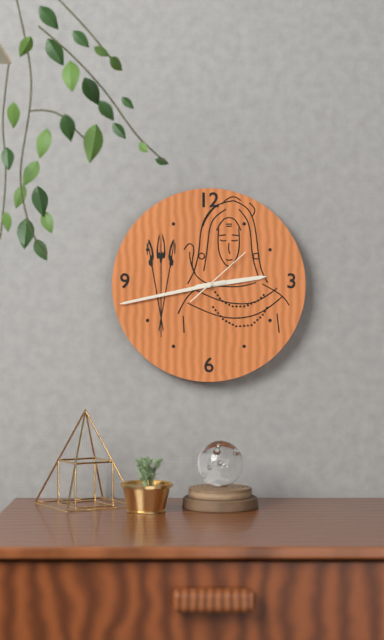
2h43m08s
